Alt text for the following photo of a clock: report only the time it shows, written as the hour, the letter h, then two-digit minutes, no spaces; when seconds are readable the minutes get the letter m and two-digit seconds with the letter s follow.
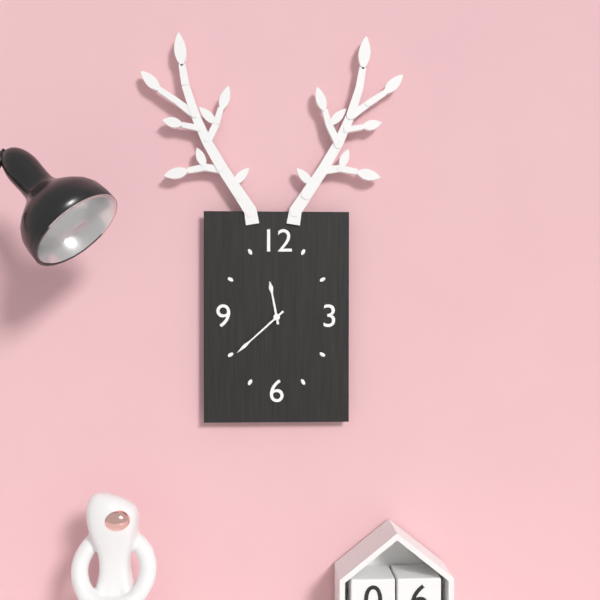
11h38
